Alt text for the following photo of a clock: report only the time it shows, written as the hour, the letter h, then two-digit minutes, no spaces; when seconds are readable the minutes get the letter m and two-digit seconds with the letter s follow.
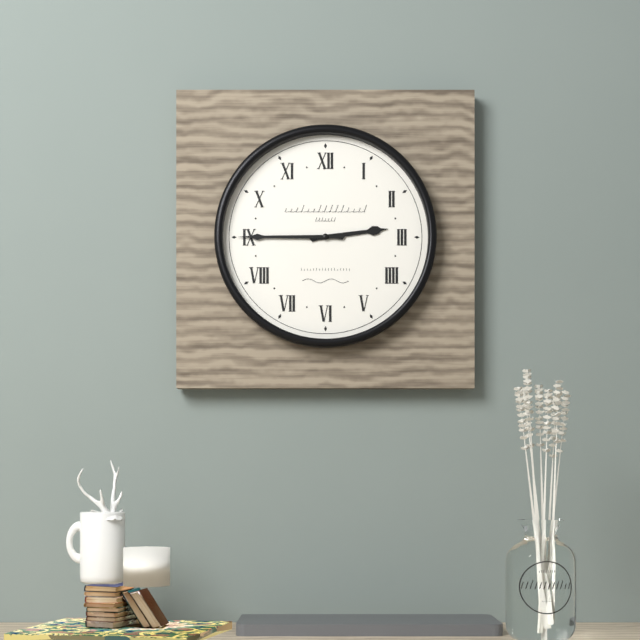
2h45
